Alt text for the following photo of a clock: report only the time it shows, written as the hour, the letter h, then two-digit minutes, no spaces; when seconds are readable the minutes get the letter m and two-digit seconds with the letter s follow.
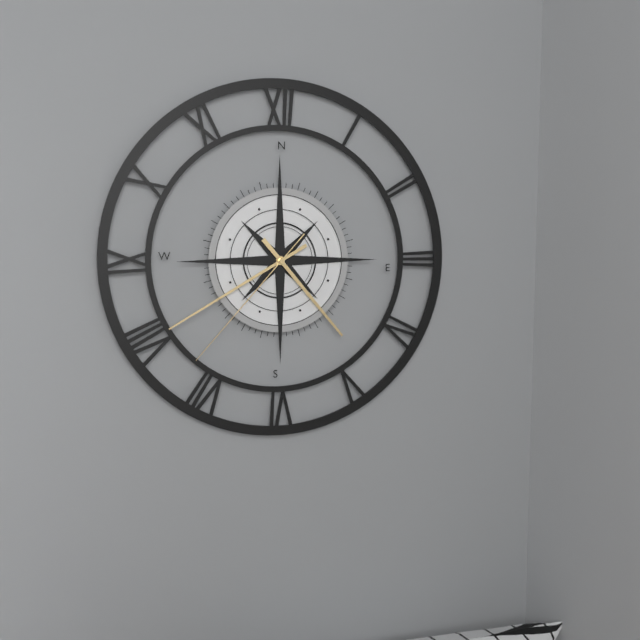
4h40m37s
